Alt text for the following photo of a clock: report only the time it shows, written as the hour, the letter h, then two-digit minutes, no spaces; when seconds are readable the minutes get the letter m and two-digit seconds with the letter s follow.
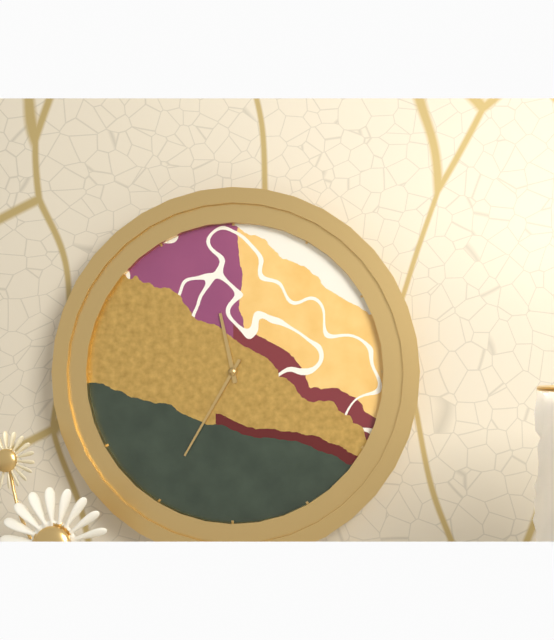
11h35
